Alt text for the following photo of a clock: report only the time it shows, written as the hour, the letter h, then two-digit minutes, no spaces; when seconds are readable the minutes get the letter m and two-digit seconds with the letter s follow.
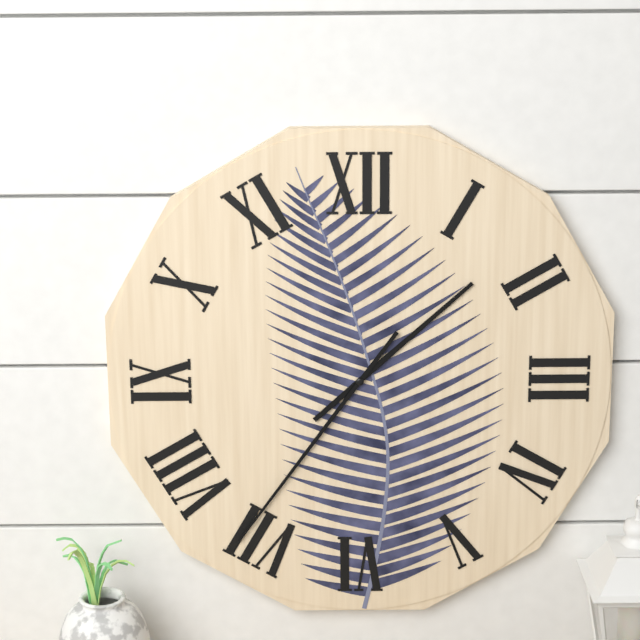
1h36
